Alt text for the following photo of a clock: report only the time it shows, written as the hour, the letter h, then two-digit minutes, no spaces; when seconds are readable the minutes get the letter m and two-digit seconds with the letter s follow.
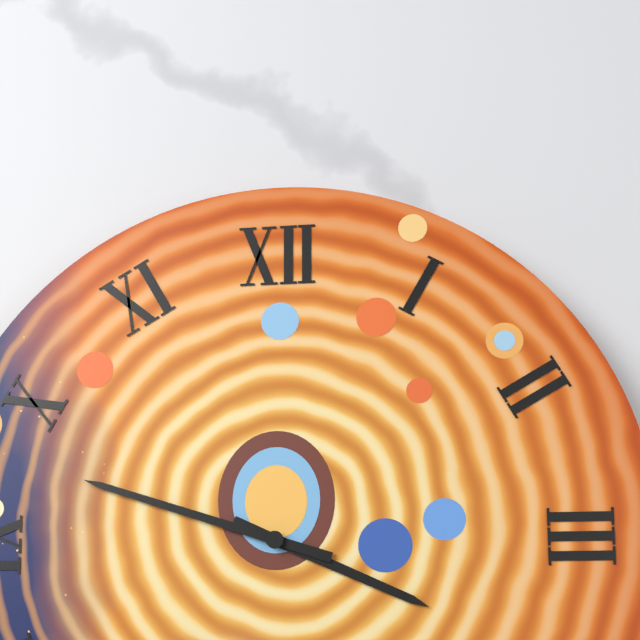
3h48
